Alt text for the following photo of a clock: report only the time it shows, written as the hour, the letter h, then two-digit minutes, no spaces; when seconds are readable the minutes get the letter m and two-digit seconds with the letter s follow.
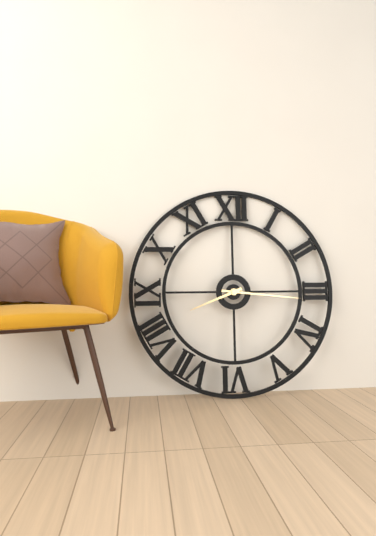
8h16
